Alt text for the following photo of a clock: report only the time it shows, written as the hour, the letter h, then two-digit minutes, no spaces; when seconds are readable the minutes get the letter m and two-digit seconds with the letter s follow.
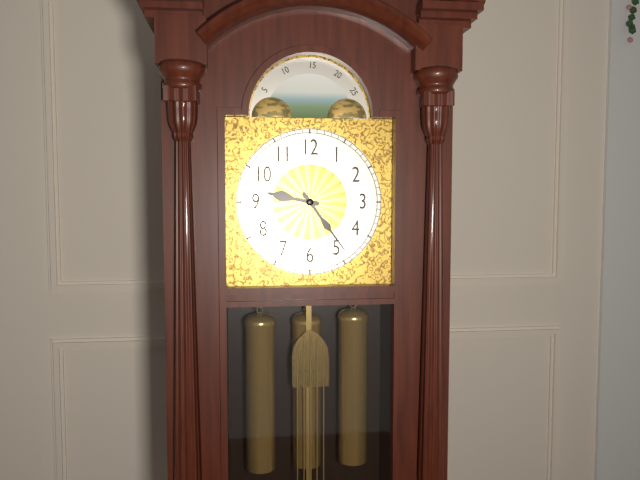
9h24
